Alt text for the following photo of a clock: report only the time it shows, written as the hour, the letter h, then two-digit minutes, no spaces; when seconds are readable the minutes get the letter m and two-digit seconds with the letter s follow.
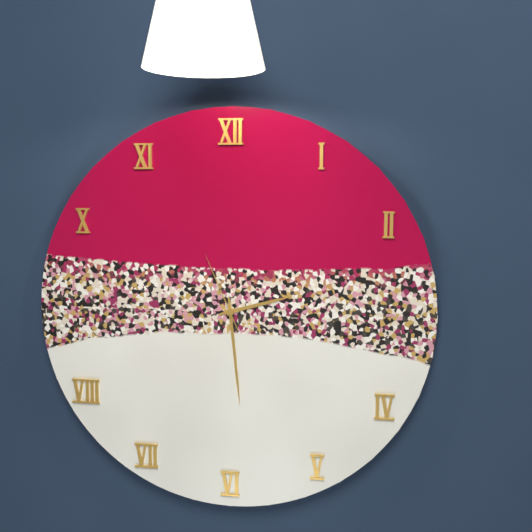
2h29m56s
